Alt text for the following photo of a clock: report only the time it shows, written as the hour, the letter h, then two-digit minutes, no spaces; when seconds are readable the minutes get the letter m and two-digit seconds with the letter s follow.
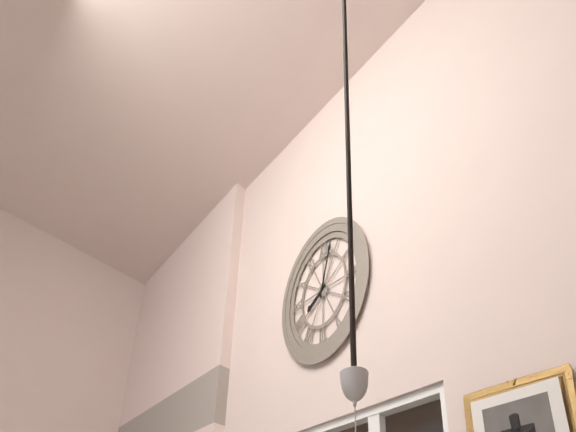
8h03
